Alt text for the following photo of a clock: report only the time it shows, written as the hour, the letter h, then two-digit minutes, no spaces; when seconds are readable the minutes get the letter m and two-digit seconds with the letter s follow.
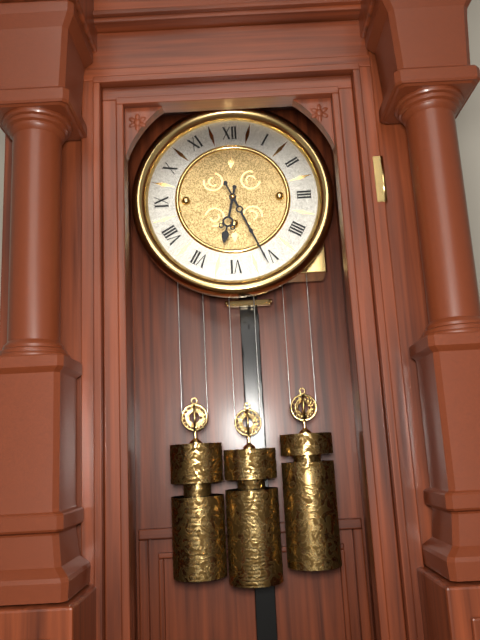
6h26
